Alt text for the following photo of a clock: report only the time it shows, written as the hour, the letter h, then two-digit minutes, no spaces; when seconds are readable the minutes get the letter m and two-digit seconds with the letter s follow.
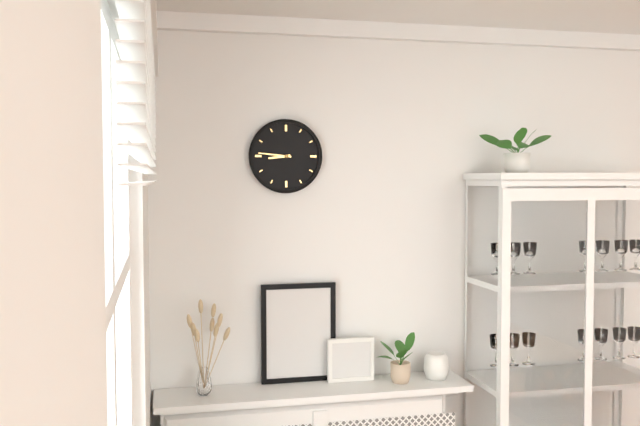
8h46
